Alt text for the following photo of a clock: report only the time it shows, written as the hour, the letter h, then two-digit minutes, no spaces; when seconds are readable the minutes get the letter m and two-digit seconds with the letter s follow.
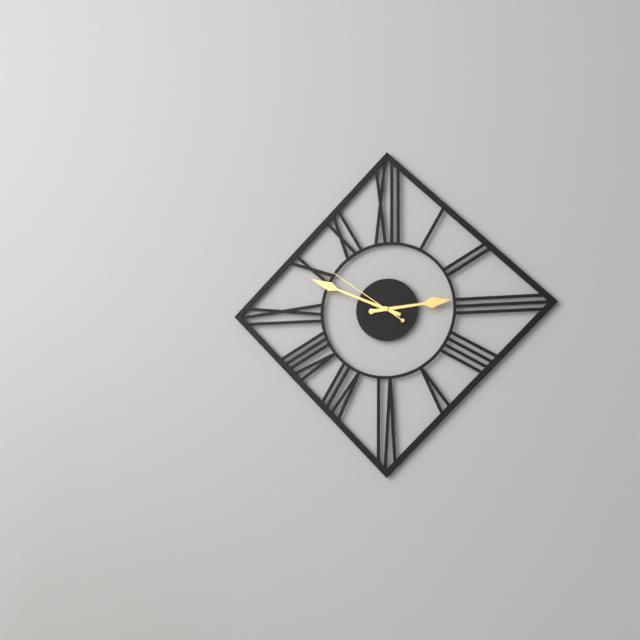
2h49m51s
